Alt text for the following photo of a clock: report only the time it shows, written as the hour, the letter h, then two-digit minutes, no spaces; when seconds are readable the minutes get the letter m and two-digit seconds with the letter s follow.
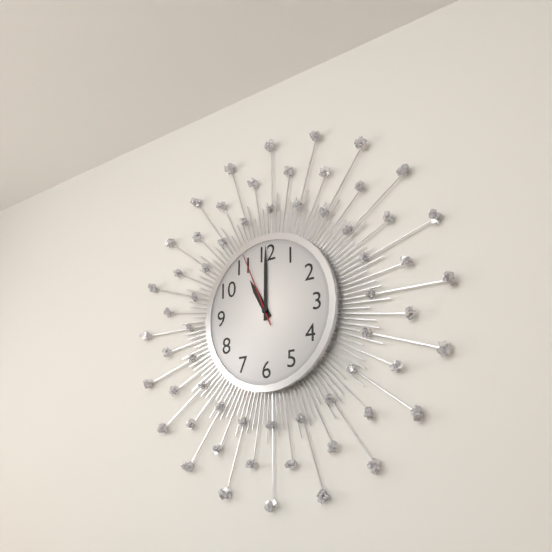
11h00m56s
